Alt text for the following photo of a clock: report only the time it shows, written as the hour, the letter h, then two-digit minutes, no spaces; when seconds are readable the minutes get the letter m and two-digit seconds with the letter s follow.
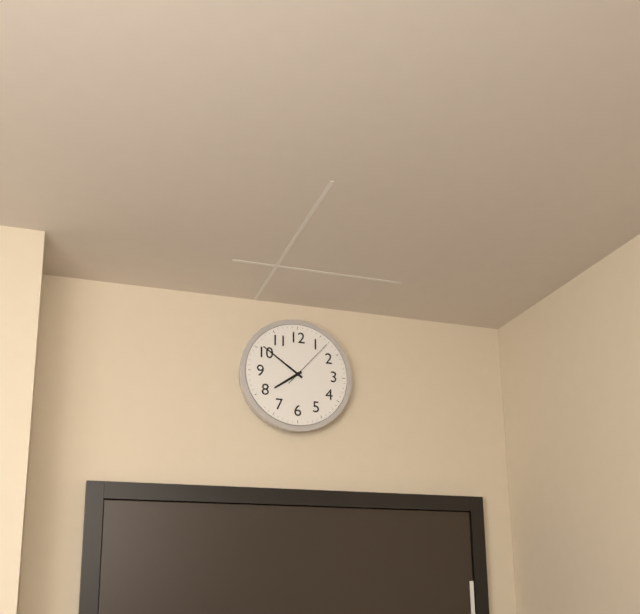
7h51m07s
